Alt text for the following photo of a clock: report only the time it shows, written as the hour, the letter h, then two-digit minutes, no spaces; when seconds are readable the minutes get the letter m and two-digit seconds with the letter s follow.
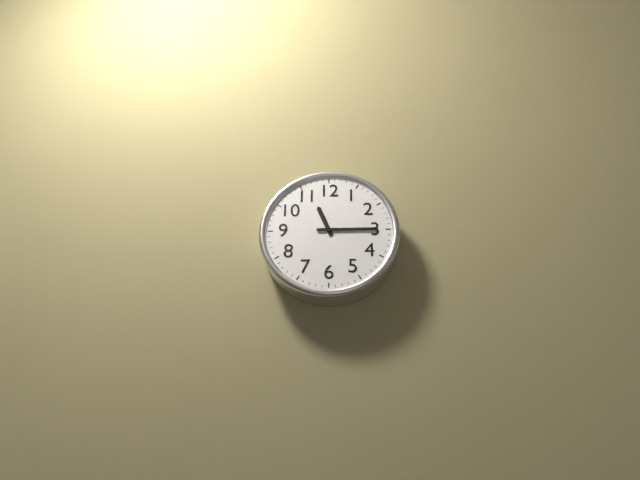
11h15
